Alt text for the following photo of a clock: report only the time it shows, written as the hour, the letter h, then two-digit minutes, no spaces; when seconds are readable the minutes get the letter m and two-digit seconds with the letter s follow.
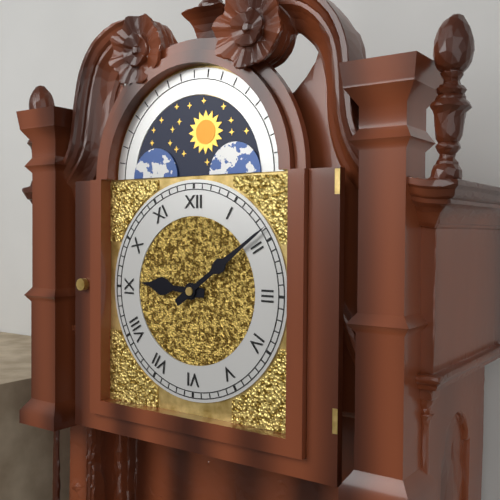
9h09
